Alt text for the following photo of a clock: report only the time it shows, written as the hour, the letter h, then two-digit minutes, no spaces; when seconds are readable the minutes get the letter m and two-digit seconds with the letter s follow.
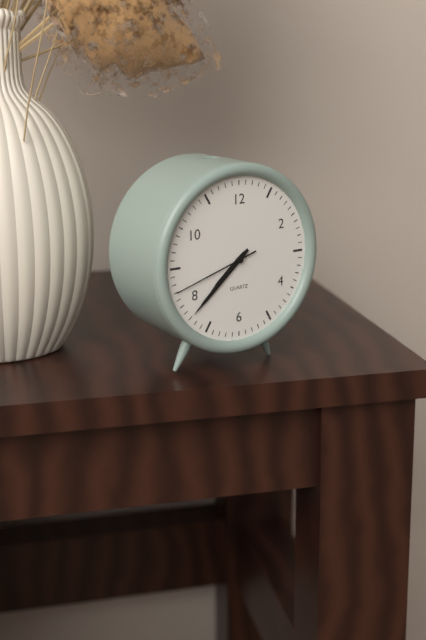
7h38m42s
